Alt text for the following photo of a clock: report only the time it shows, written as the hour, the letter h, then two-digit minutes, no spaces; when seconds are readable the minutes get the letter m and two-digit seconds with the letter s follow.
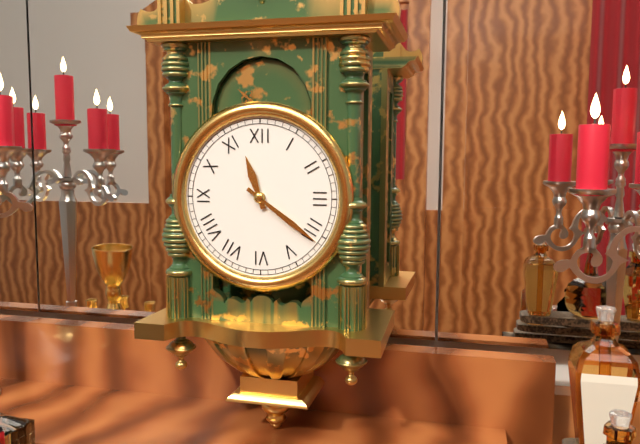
11h21
